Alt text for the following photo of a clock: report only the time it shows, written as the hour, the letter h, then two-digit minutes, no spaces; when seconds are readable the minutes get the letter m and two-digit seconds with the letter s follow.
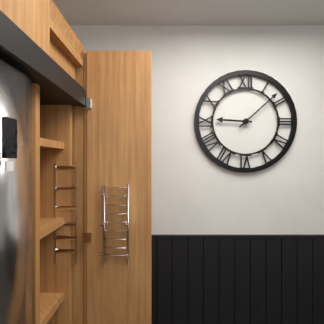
9h08
